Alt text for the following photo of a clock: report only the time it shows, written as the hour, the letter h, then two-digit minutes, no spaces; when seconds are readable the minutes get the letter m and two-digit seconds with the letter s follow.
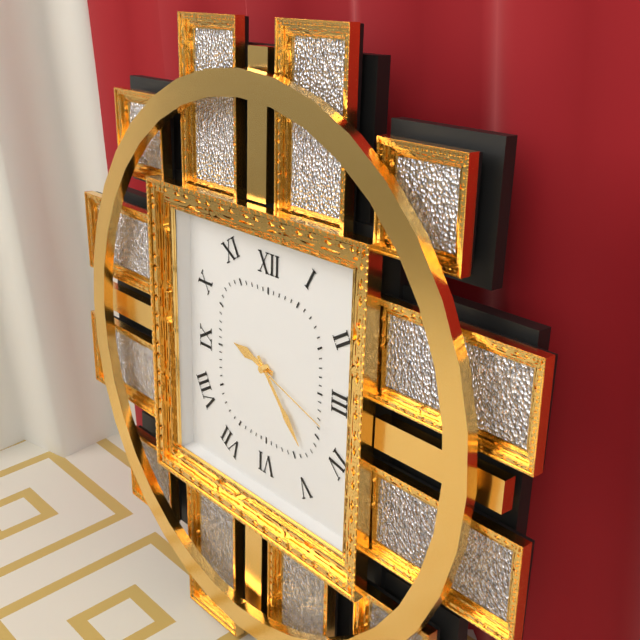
9h23m18s
